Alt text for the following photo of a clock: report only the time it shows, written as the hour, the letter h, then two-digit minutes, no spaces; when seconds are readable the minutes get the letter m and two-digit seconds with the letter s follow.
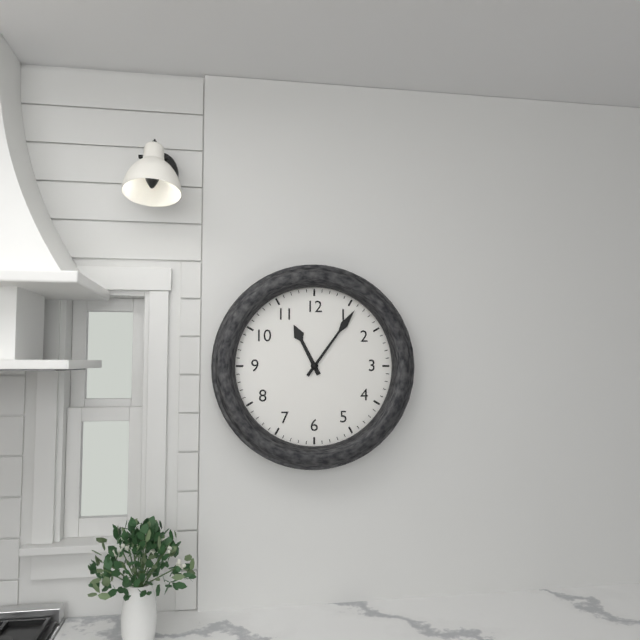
11h06
